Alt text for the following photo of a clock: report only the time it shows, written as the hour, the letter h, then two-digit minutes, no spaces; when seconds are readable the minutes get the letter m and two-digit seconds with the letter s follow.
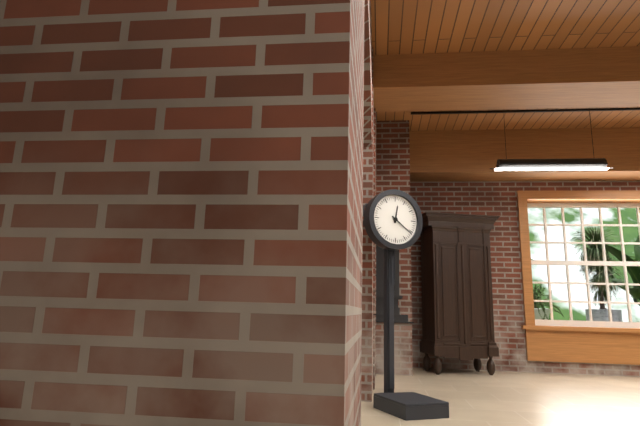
12h21
